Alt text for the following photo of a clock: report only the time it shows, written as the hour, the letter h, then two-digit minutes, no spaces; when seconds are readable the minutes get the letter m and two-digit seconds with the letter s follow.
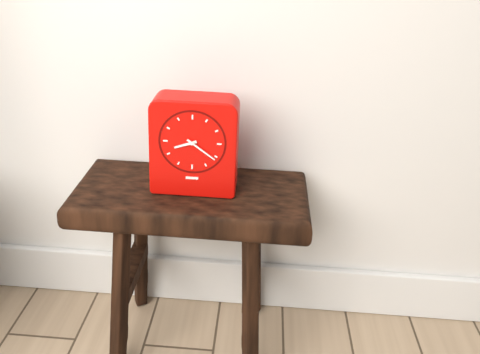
8h21
